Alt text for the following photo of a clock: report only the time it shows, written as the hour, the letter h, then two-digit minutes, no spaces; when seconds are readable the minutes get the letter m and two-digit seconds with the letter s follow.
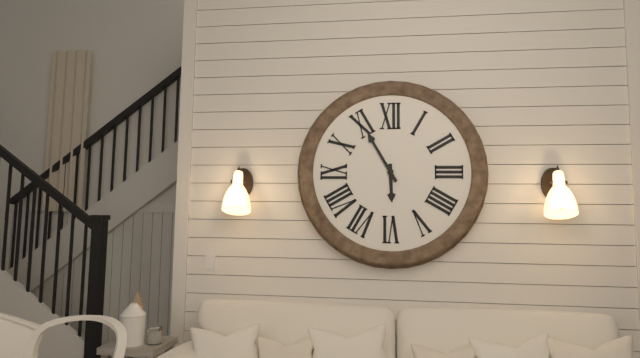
5h55
